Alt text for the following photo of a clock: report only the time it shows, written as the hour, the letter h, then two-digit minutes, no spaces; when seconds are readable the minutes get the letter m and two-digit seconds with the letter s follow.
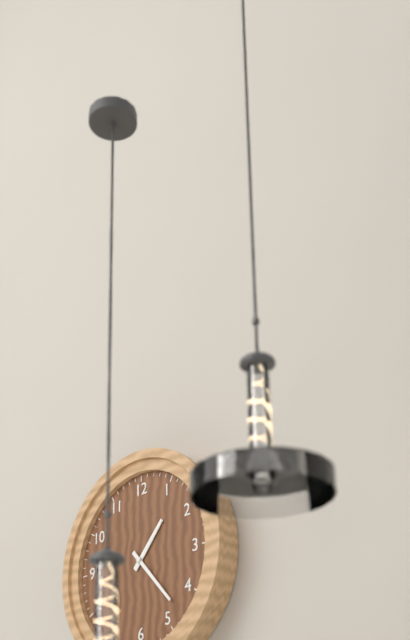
1h23
